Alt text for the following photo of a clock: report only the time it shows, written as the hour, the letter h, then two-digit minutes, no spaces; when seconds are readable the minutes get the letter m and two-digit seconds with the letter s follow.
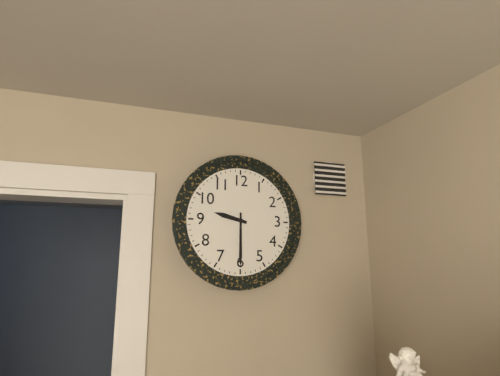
9h30
